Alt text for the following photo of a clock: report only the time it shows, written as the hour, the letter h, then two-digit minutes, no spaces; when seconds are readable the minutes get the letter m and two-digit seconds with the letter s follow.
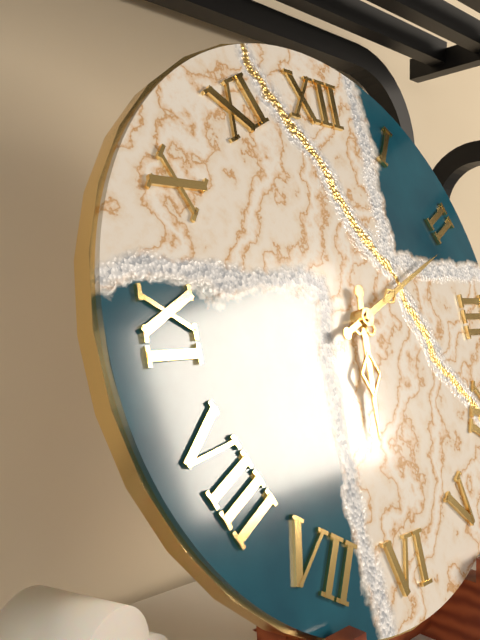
6h11
